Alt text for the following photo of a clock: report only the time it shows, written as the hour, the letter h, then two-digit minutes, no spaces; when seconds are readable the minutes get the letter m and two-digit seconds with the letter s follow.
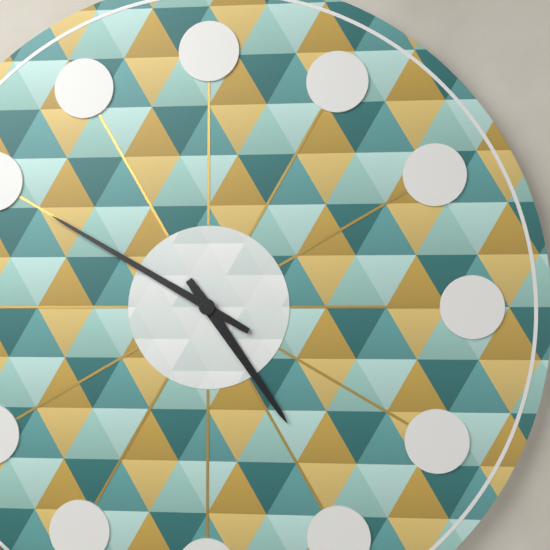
4h50
